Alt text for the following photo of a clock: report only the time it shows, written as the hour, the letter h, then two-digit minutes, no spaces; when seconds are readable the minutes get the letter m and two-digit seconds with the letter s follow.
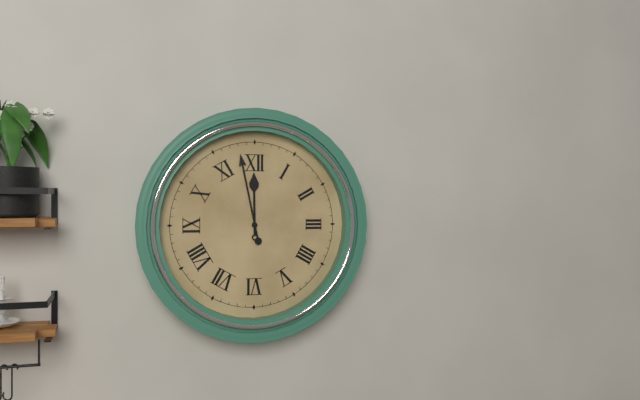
11h58
